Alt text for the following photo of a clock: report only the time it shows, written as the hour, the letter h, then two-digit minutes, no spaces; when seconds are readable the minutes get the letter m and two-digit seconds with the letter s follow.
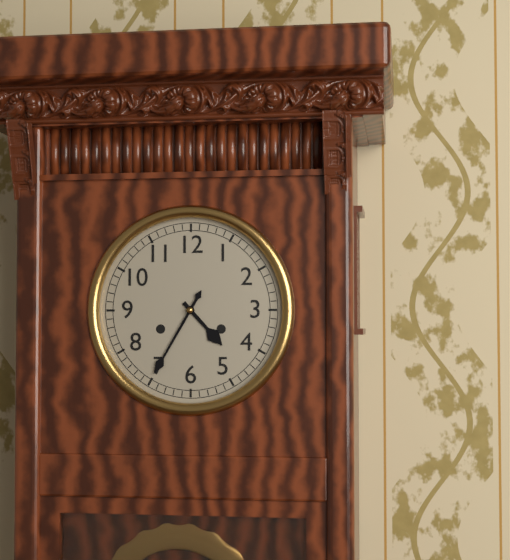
4h35
